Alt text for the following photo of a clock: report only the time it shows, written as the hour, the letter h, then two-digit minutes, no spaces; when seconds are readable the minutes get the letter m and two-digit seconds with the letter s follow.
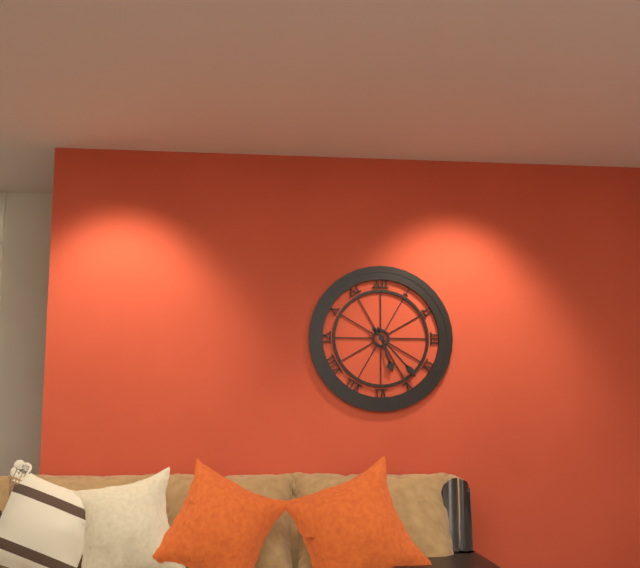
5h23
